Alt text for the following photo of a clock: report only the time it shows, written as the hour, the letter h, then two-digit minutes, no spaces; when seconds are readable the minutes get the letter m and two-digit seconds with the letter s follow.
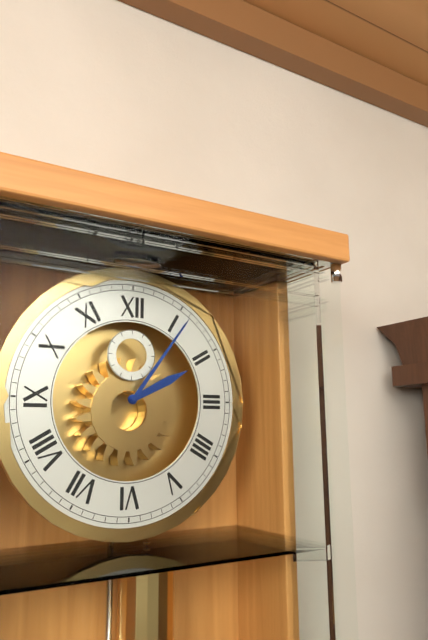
2h06
